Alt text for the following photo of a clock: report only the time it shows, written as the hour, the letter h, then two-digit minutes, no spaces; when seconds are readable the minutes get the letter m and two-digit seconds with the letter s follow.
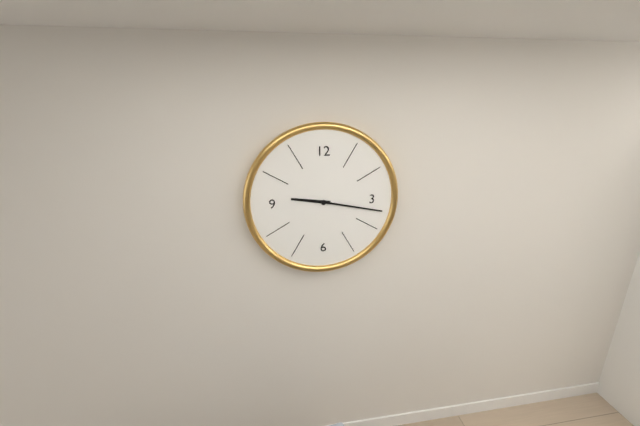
9h17
